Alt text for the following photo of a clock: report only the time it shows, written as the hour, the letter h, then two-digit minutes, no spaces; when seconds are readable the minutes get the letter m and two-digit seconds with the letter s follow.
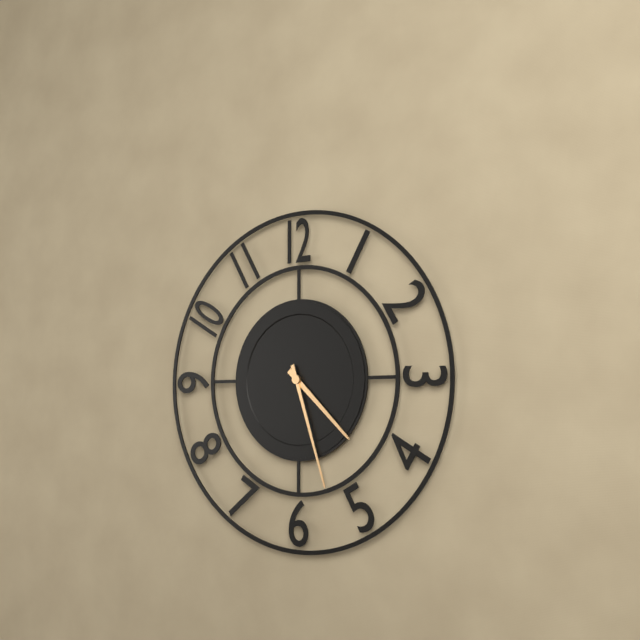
4h27
